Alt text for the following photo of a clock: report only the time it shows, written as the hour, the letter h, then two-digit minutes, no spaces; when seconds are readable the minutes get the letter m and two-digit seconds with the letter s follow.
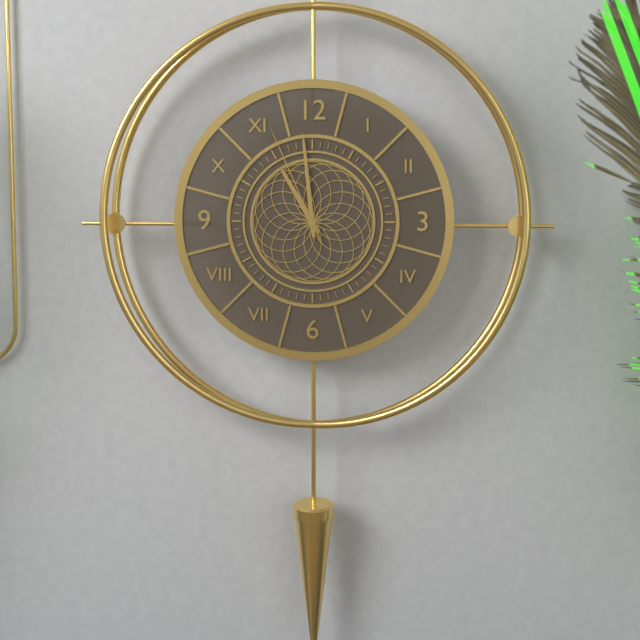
10h59m56s
